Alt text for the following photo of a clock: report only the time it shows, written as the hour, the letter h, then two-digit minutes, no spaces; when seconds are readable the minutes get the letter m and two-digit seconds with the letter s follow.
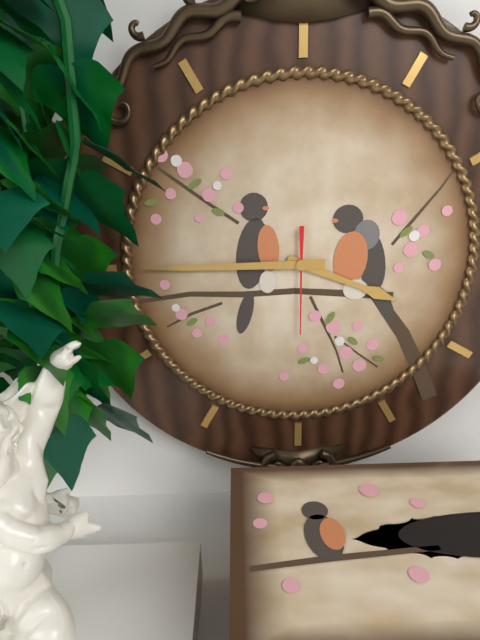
3h45m30s
